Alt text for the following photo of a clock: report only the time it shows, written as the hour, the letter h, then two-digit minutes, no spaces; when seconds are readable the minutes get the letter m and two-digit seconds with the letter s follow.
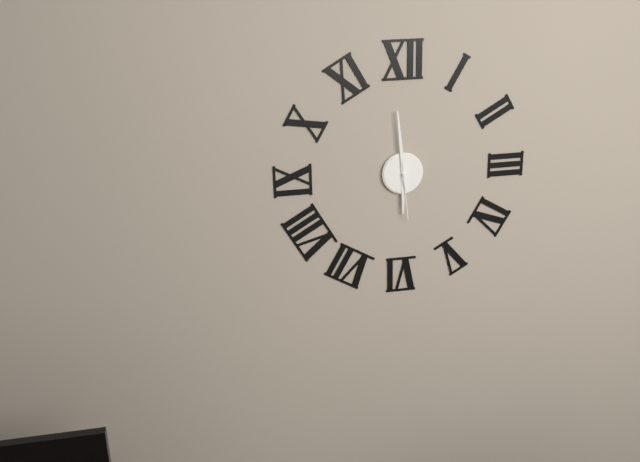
5h59m29s
